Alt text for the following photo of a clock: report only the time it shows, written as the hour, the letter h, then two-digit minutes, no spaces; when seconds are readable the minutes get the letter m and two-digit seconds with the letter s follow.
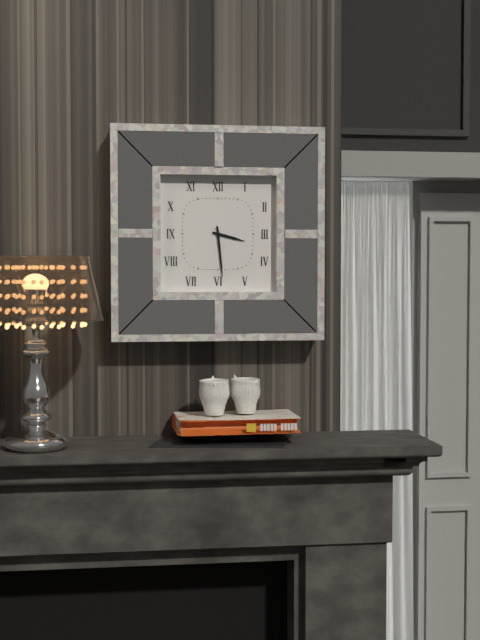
3h29
